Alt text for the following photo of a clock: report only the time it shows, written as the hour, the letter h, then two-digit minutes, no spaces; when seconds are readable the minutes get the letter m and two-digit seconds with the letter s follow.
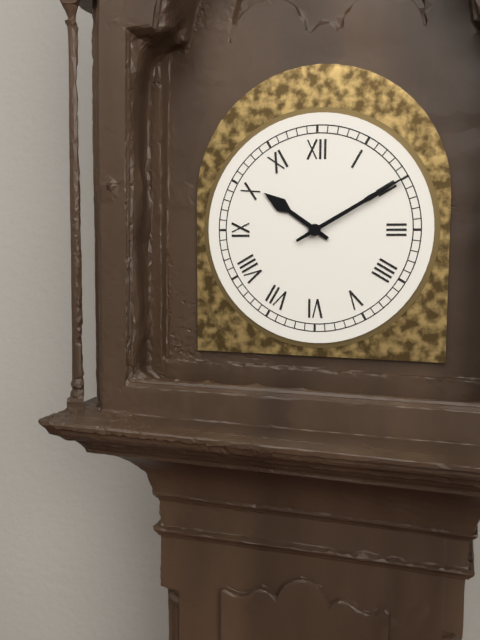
10h10
